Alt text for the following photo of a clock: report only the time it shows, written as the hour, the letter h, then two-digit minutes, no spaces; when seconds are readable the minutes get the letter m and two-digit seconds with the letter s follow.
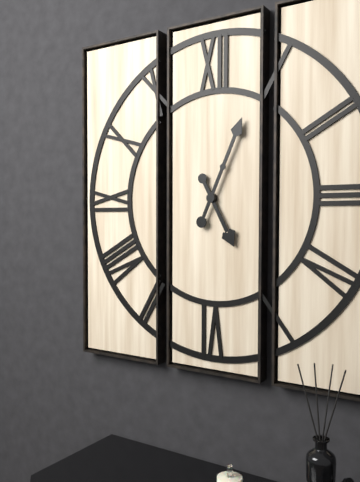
5h04
